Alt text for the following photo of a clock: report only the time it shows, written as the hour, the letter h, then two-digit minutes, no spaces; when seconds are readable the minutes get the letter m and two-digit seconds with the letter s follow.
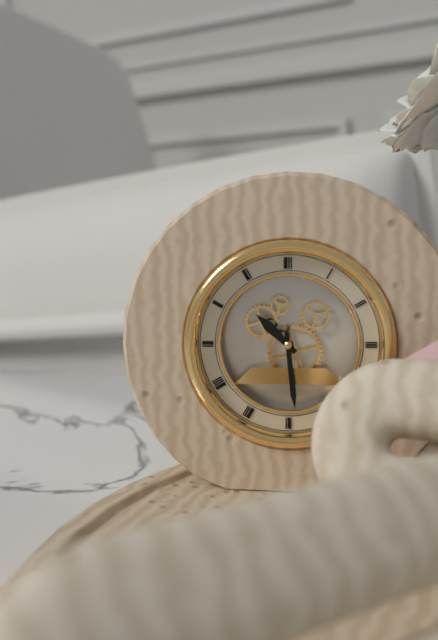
10h29
